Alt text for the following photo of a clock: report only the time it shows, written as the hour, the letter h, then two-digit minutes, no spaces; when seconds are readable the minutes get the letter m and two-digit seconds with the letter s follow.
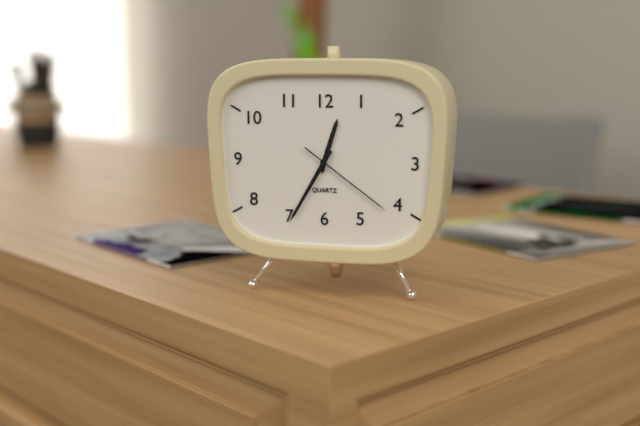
12h35m21s
